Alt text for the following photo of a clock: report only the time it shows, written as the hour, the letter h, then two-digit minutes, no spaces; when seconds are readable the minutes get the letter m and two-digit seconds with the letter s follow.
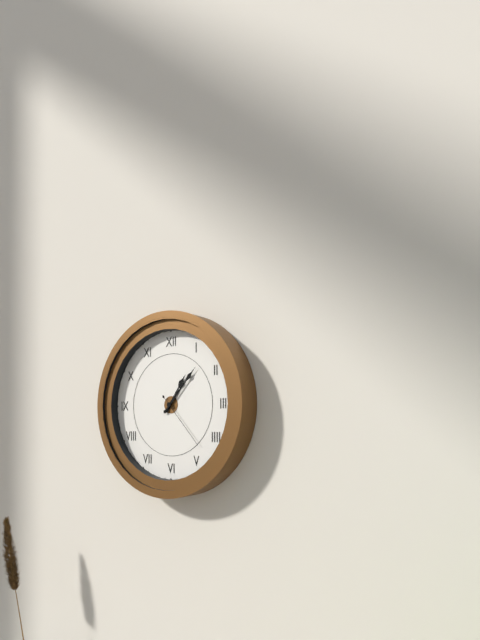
1h07m23s
